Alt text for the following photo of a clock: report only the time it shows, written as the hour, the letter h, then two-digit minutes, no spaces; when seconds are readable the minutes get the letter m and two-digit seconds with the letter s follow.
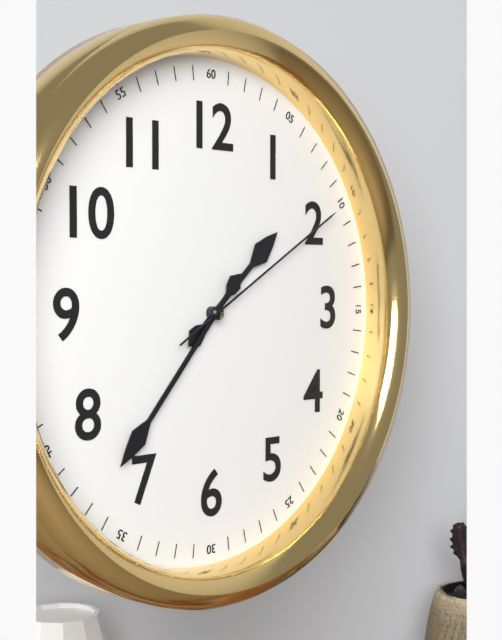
1h37m10s
